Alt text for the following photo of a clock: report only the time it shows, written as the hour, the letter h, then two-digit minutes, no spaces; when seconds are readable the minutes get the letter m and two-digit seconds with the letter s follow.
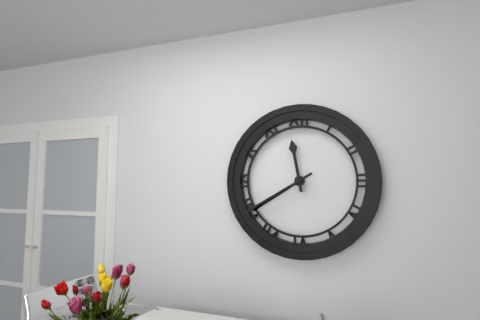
11h40
